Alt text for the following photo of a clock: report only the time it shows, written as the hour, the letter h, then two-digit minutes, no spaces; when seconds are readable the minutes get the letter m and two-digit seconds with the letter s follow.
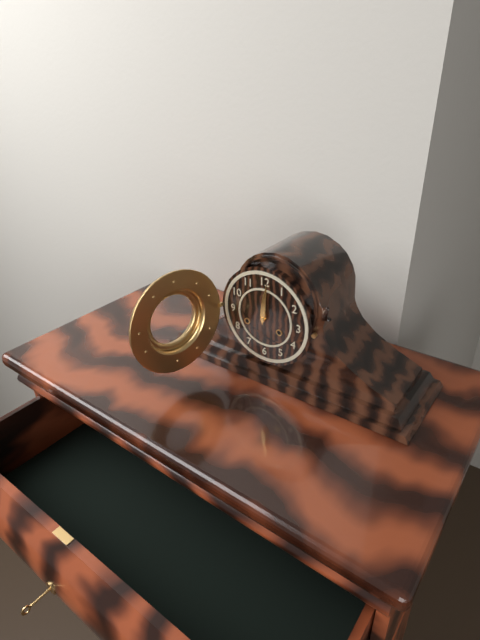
12h01
